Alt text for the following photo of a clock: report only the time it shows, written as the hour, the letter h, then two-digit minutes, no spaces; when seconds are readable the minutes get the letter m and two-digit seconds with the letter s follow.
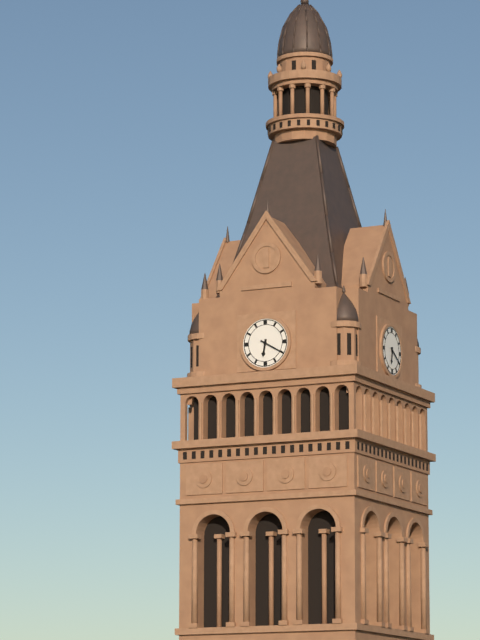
6h20
